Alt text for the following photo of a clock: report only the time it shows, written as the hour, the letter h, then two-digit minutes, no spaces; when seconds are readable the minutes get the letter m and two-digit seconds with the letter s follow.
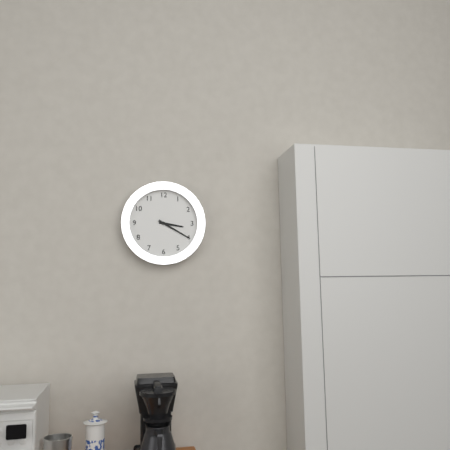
3h20
